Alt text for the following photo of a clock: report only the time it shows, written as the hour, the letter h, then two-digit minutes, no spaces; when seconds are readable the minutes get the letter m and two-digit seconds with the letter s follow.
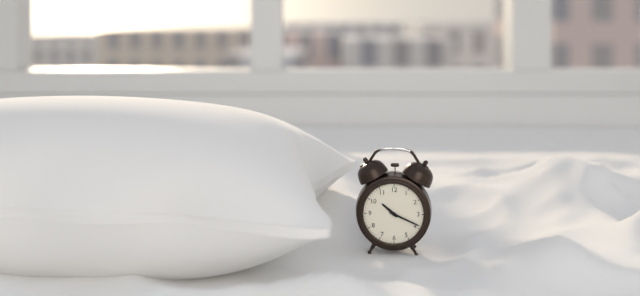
10h19
